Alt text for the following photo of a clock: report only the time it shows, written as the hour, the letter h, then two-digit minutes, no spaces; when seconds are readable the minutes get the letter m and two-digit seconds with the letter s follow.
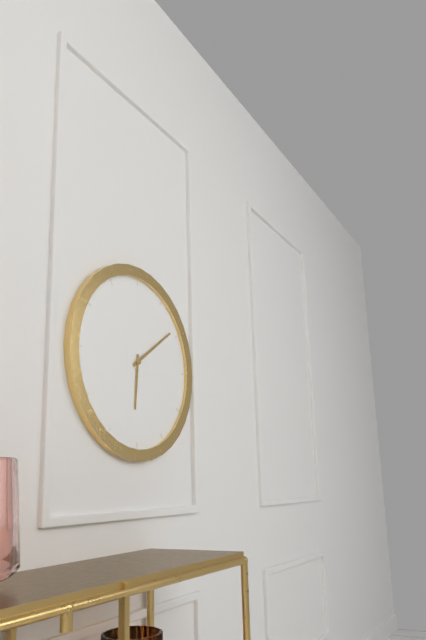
6h09
